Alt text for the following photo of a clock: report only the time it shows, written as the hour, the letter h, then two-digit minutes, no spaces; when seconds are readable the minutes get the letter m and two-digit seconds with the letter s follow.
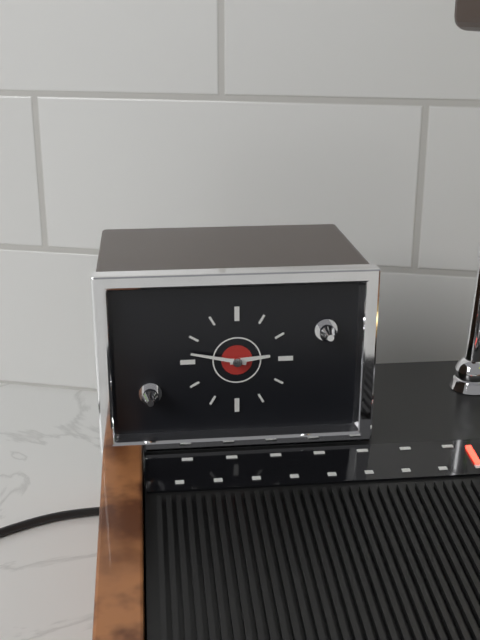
2h47
